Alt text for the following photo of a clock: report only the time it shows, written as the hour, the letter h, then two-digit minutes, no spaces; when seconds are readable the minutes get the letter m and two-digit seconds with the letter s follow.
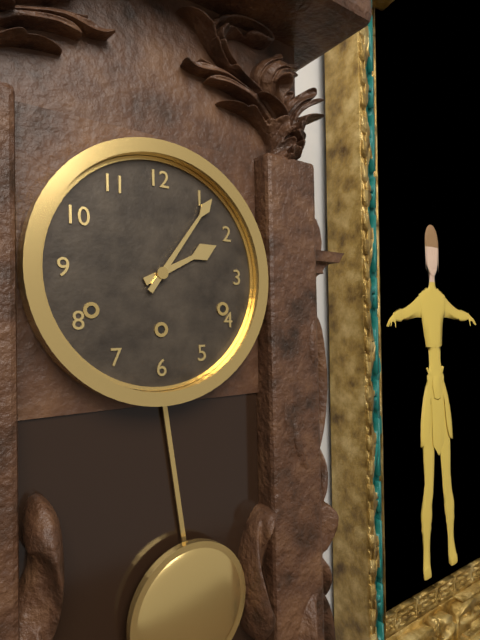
2h06
